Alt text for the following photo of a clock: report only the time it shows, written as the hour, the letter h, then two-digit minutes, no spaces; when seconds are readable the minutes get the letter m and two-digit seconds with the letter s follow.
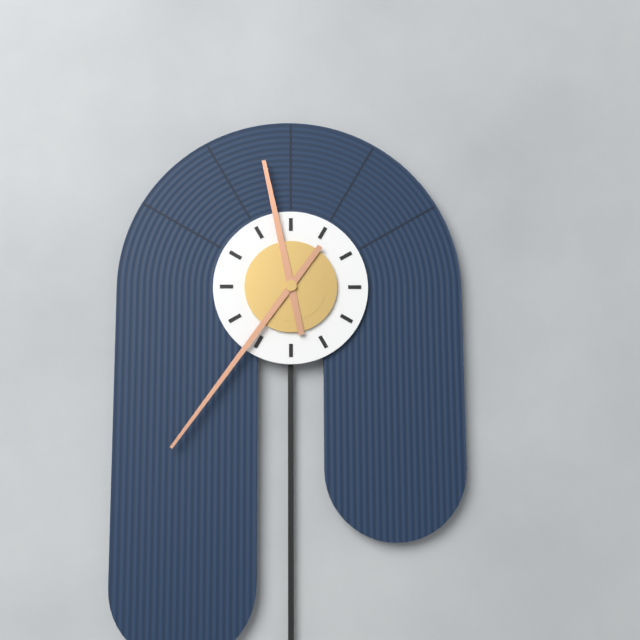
11h36
